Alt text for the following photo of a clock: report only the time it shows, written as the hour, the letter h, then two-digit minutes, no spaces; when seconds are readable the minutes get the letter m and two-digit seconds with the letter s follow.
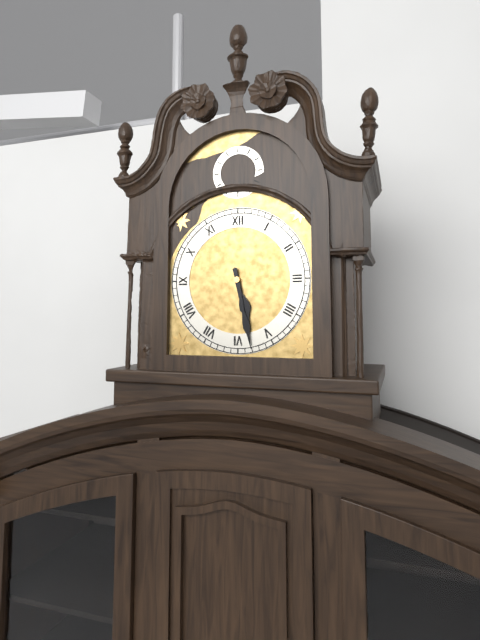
5h28
